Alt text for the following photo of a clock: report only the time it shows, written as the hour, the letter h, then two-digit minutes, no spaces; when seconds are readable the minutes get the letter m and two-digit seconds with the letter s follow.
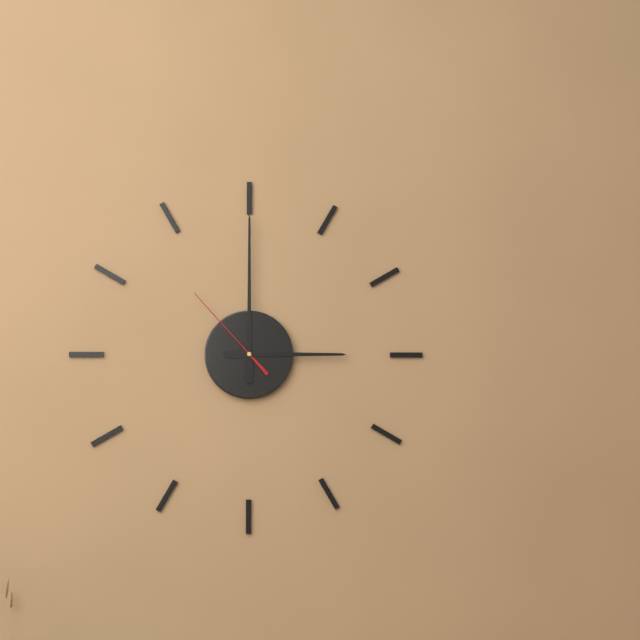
3h00m53s
